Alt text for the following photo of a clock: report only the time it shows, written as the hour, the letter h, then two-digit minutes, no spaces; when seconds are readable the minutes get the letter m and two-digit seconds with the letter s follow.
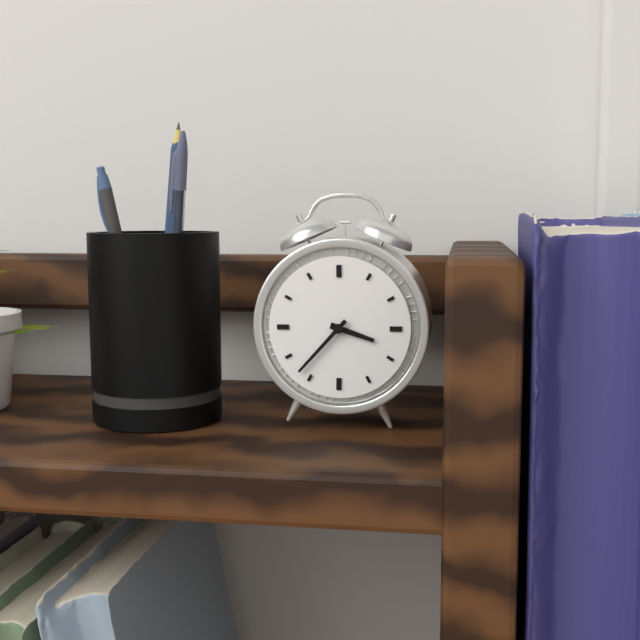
3h37
